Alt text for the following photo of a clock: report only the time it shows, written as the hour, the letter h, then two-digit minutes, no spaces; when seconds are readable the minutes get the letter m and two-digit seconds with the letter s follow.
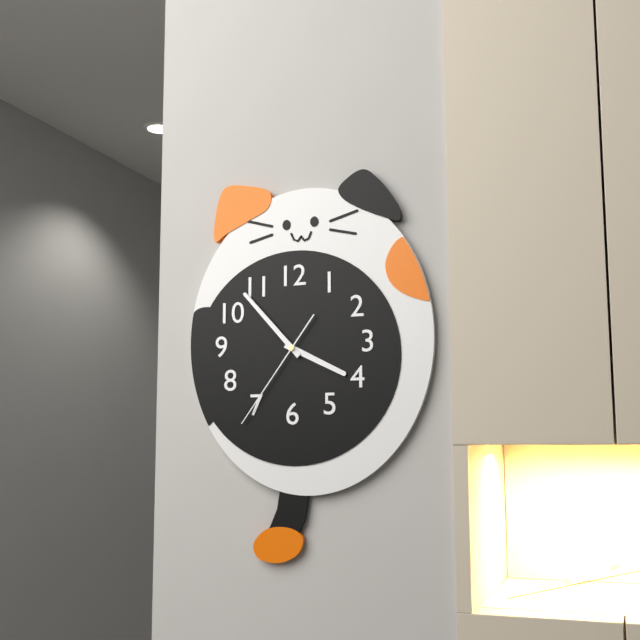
3h53m36s
